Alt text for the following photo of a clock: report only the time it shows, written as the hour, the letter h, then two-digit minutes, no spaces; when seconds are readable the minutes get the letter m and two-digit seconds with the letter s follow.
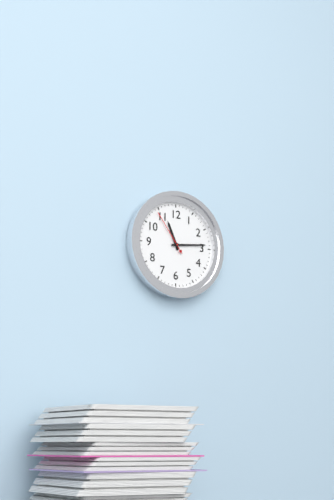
11h14
